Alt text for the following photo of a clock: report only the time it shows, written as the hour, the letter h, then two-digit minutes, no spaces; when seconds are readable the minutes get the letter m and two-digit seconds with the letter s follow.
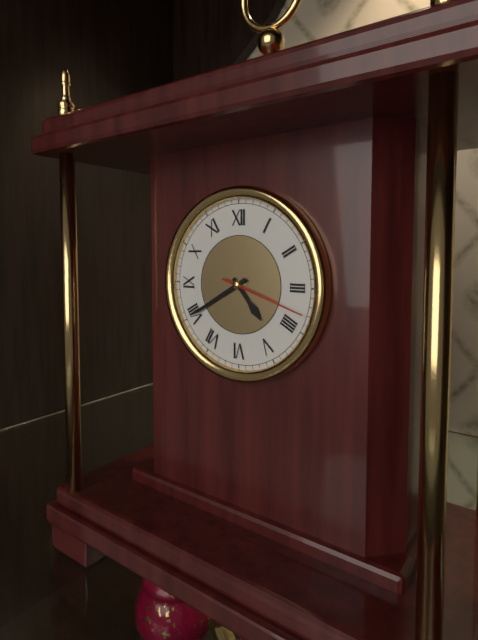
4h40m18s
